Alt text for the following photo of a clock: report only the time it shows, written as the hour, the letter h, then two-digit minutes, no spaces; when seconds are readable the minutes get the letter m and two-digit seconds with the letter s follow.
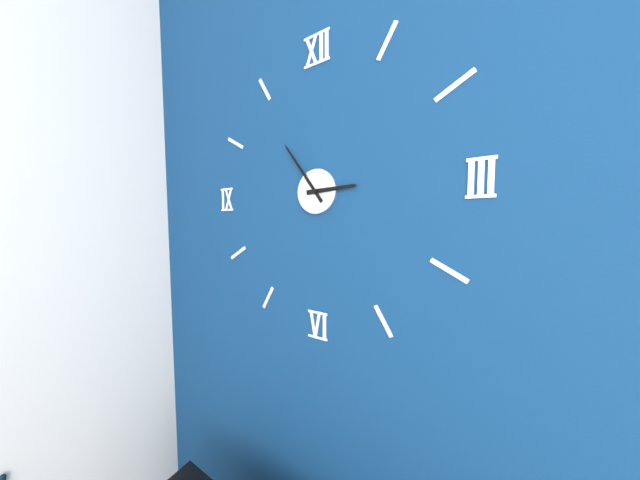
2h54
